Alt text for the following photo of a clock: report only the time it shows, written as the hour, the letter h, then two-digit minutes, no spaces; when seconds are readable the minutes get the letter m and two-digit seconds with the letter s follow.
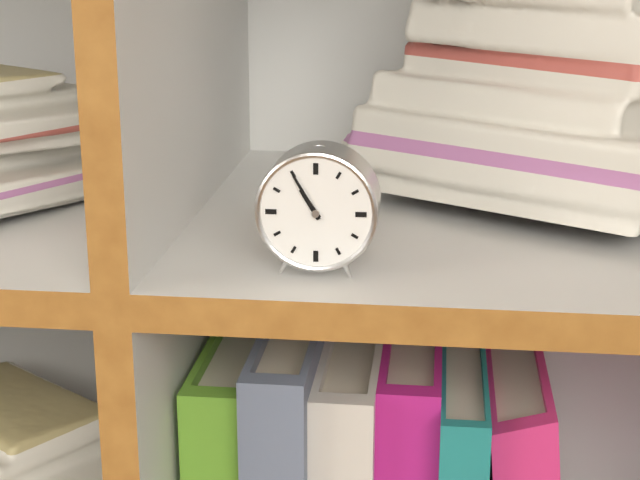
10h55
